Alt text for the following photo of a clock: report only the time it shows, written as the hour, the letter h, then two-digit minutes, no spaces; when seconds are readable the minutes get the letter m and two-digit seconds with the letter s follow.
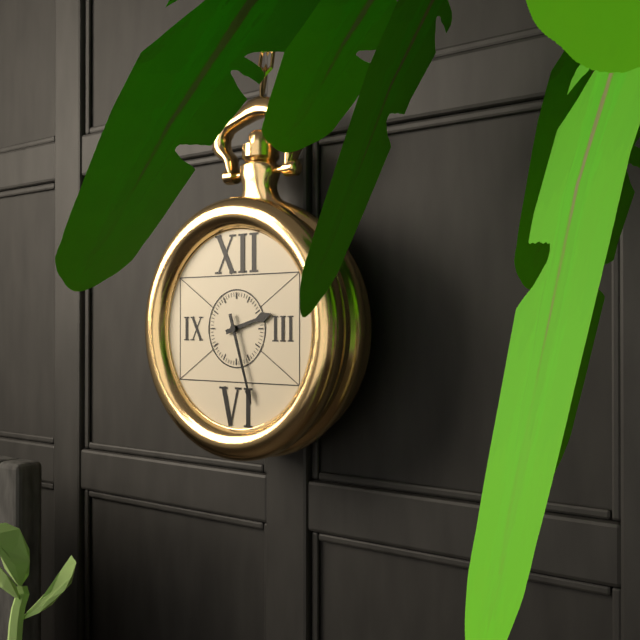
2h27
